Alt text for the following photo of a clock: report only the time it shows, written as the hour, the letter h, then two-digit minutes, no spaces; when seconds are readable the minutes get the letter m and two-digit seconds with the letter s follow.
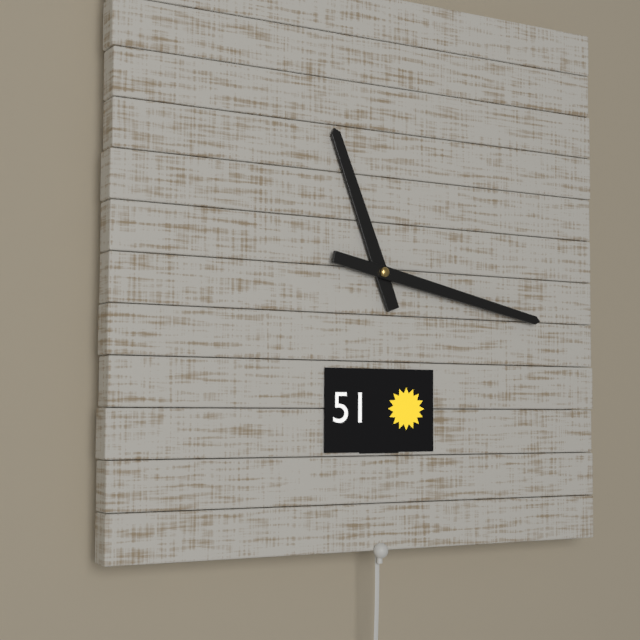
11h17
